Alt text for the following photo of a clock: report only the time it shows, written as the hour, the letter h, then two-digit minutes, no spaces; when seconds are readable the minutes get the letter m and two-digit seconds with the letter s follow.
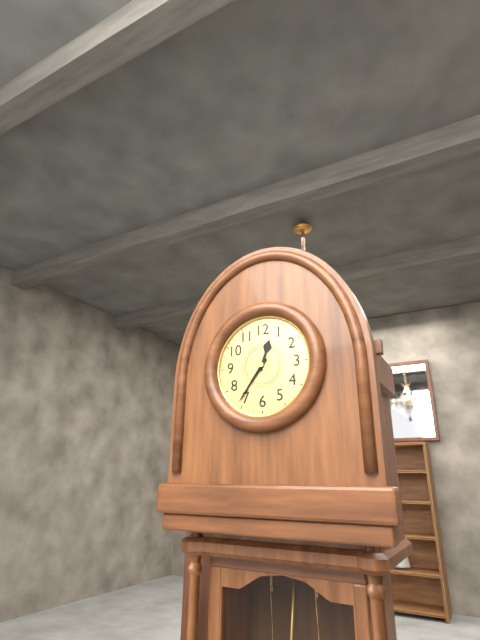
12h36
